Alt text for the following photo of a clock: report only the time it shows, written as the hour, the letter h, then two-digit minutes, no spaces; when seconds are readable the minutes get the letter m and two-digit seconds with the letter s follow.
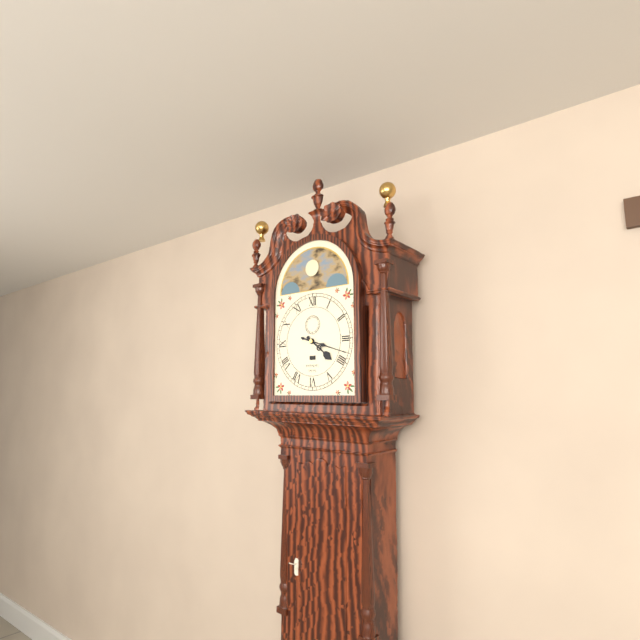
4h18
